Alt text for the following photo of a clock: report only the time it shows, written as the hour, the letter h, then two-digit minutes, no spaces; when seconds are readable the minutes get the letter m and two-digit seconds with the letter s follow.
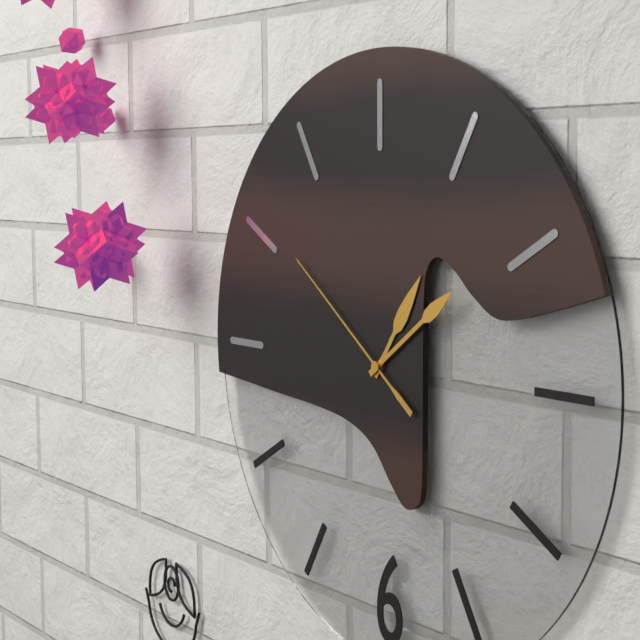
1h09m51s
